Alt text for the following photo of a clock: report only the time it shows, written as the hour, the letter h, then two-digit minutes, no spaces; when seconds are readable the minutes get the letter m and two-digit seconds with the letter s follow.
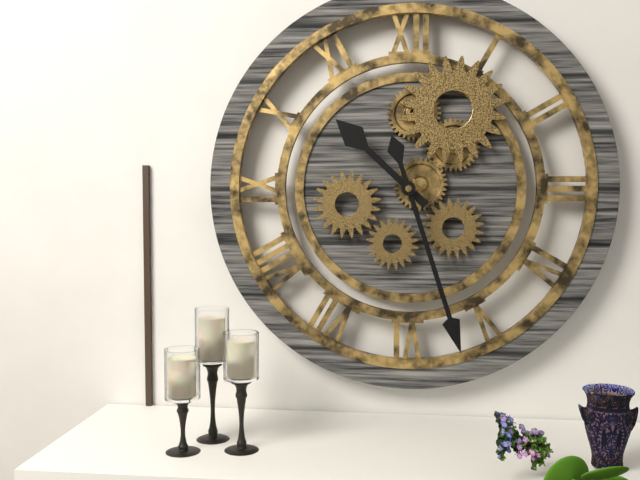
10h27
